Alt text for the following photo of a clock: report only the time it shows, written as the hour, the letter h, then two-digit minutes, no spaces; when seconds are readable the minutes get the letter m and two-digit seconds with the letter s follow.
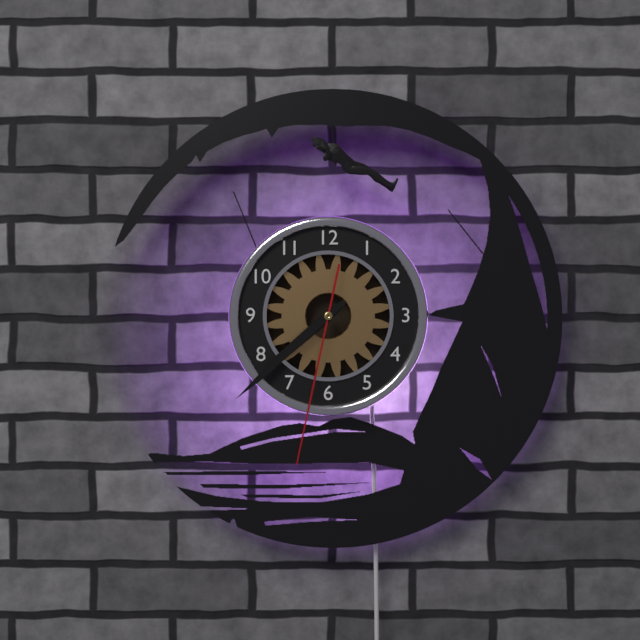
7h38m32s
